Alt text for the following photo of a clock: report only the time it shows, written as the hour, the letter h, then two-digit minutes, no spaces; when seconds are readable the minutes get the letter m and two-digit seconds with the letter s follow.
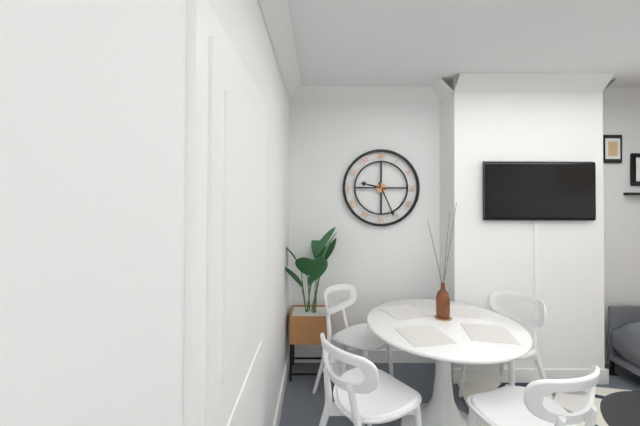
9h26
